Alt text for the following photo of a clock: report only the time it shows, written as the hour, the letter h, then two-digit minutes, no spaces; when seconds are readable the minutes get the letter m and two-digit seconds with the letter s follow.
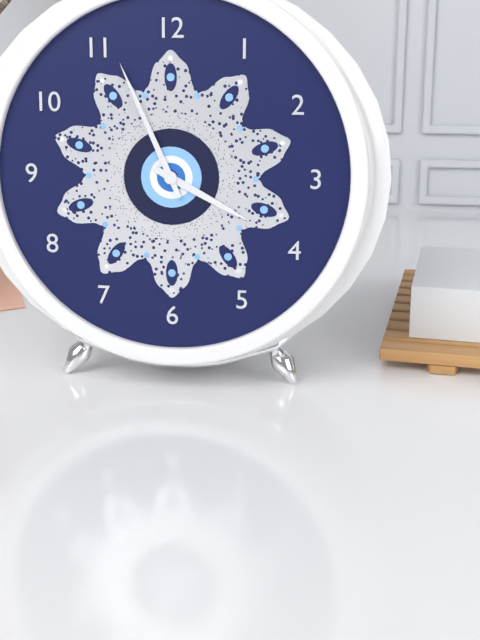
3h56
